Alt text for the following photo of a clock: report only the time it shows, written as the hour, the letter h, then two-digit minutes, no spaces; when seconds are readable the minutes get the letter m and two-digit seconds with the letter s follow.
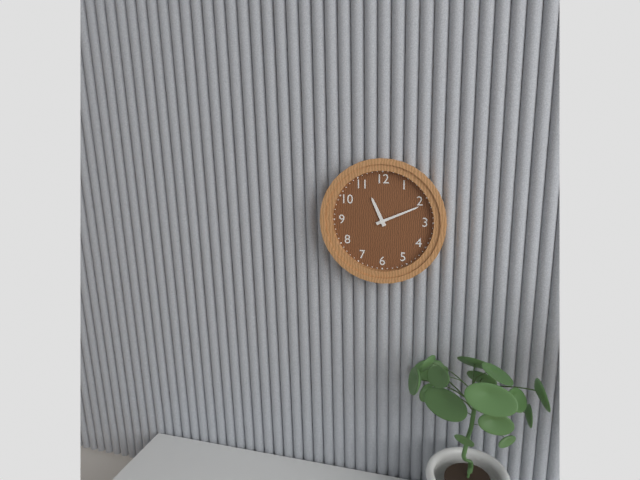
11h11
